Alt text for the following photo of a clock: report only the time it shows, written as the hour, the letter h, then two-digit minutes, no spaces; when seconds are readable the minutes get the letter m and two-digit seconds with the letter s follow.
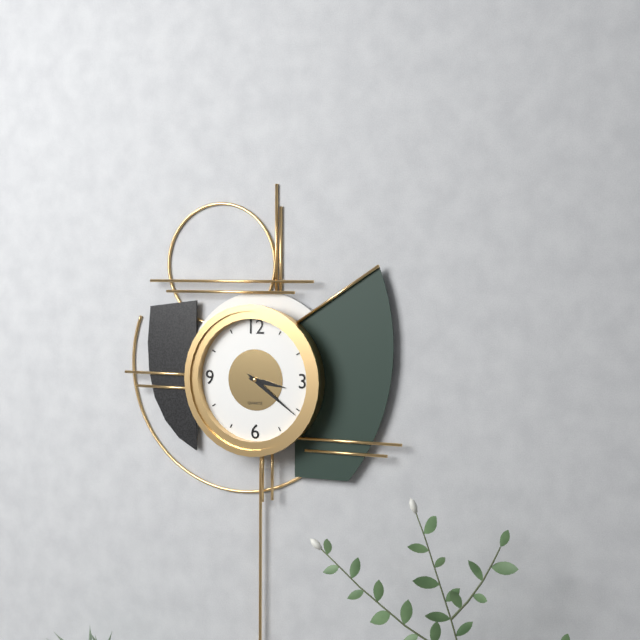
3h21
